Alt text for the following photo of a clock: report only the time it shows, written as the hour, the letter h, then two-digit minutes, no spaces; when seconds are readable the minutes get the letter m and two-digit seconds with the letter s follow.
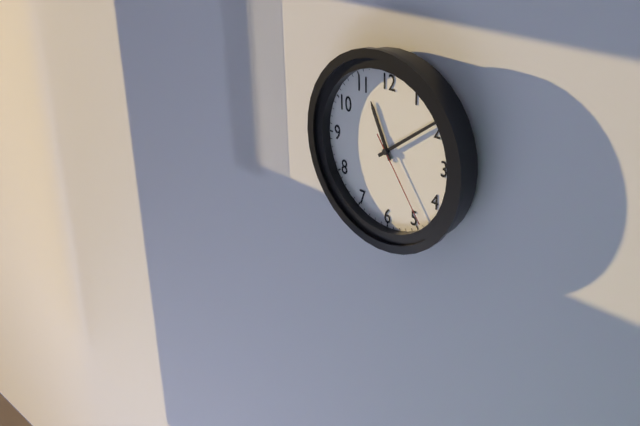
11h09m24s
